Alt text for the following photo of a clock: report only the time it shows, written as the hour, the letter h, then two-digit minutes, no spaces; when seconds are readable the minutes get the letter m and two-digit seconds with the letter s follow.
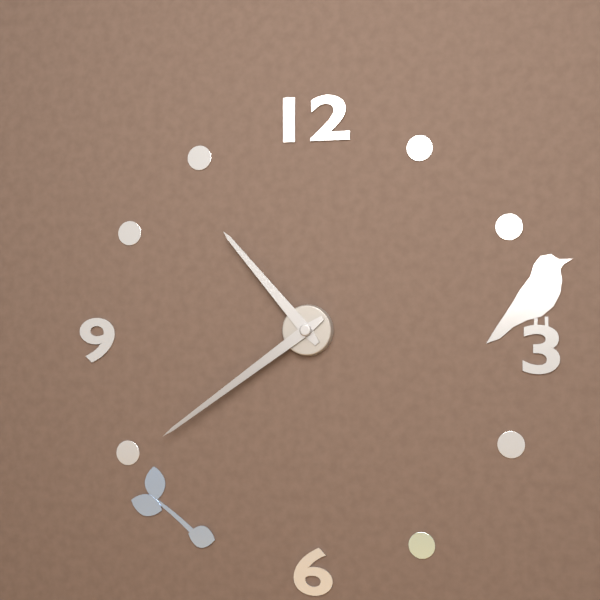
10h39
